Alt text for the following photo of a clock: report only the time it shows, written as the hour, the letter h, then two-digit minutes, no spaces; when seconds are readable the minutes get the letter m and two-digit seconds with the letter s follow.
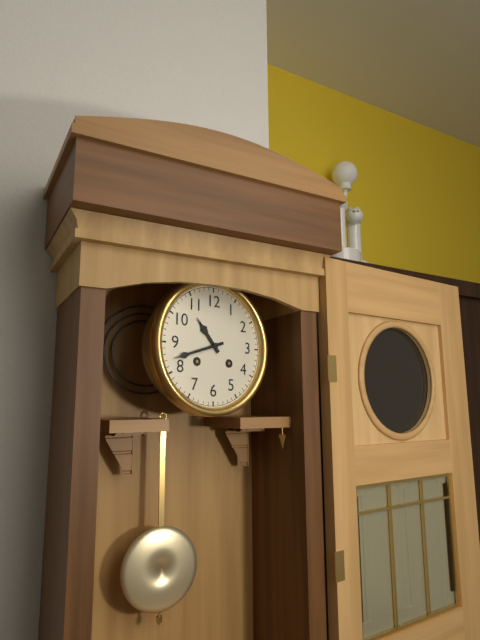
10h42
